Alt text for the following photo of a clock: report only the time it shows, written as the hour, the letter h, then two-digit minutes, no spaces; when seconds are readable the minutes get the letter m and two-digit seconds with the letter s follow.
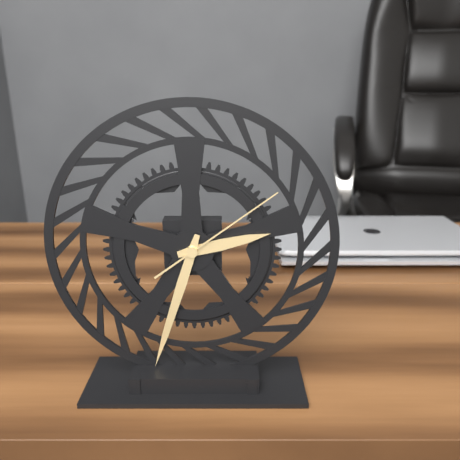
2h33m09s
